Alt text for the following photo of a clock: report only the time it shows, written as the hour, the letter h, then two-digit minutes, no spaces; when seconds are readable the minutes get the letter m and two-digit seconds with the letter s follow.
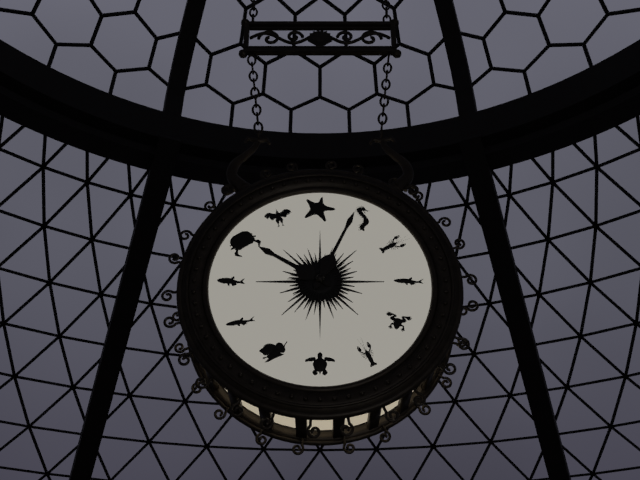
10h04
